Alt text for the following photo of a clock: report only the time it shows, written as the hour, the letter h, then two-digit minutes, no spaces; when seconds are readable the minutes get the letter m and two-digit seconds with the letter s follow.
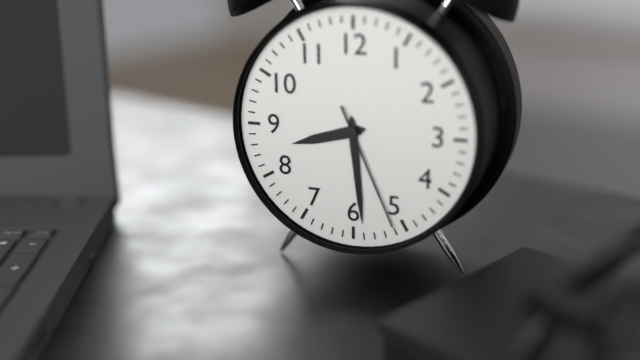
8h29m26s
